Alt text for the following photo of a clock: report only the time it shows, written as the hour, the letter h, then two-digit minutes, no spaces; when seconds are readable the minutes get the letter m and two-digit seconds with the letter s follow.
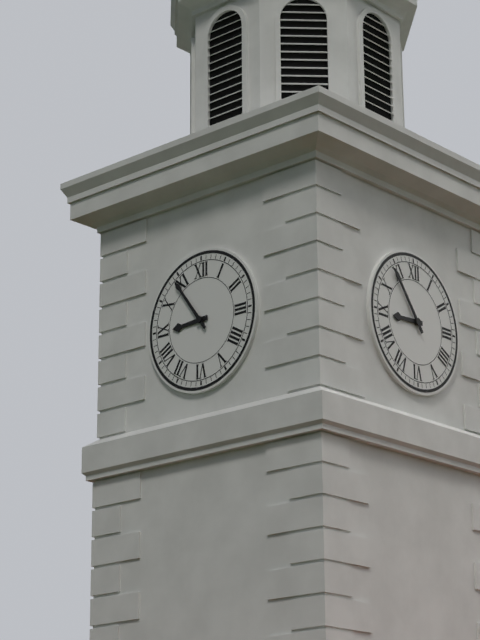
8h54
